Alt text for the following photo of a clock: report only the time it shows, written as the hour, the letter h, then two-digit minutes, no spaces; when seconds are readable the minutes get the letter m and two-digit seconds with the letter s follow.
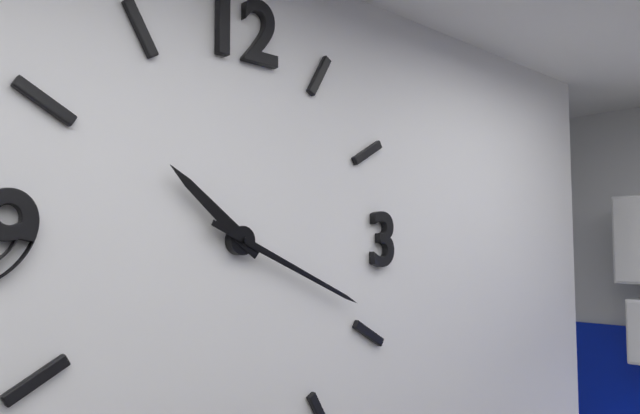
10h19
